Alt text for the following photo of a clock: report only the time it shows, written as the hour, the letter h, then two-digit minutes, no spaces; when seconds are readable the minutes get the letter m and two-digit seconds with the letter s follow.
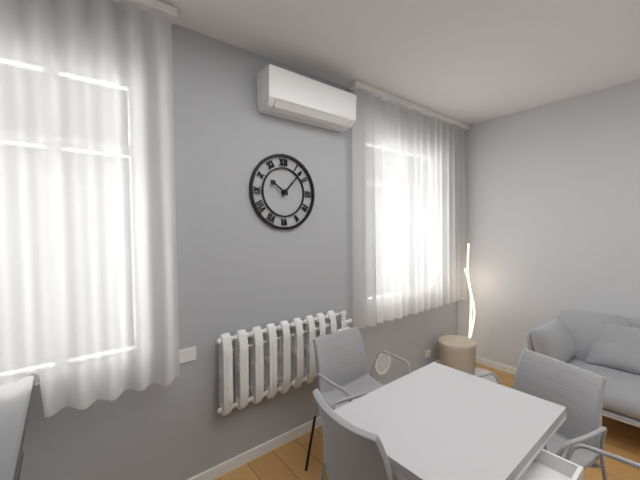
10h07
